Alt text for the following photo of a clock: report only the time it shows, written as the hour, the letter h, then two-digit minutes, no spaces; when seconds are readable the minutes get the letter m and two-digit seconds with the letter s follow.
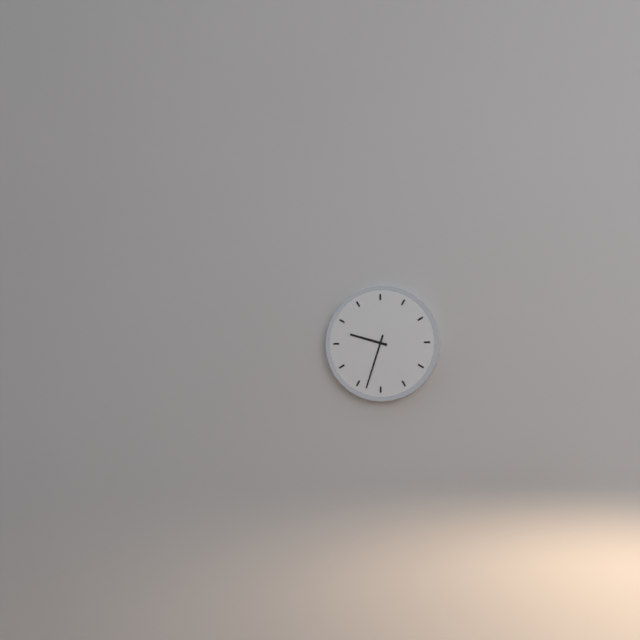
9h33
